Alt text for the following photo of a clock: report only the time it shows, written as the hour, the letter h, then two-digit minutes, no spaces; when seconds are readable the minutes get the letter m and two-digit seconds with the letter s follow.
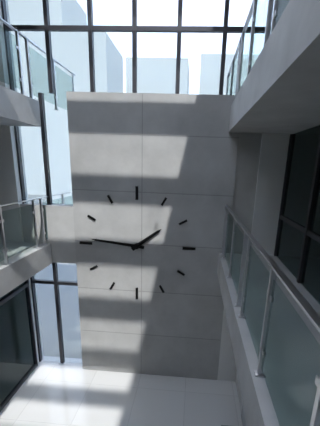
1h46
